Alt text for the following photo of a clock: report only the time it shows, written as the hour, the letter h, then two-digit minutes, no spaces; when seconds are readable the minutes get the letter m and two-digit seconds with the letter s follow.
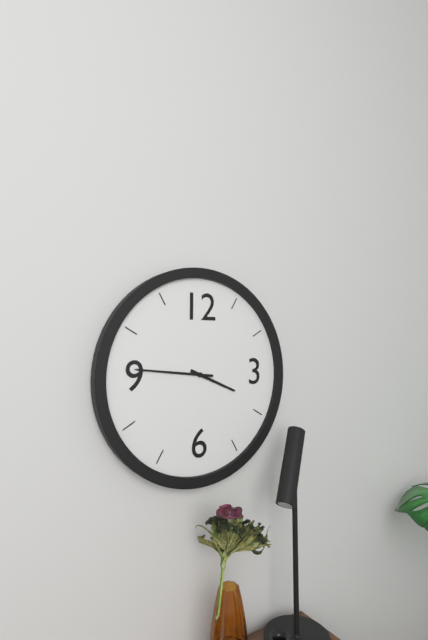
3h46
